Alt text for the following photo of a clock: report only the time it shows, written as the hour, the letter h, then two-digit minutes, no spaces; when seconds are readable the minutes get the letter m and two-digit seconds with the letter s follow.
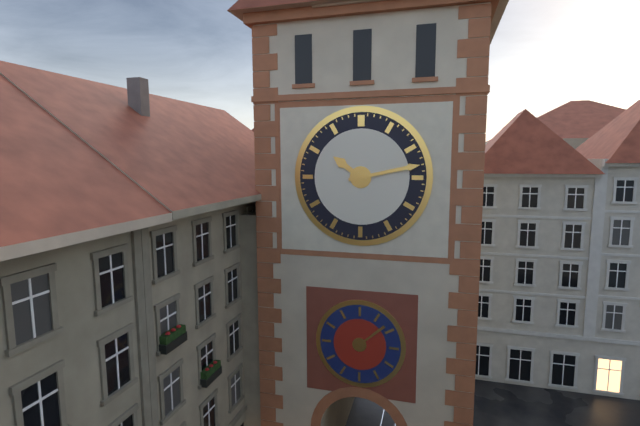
10h13
